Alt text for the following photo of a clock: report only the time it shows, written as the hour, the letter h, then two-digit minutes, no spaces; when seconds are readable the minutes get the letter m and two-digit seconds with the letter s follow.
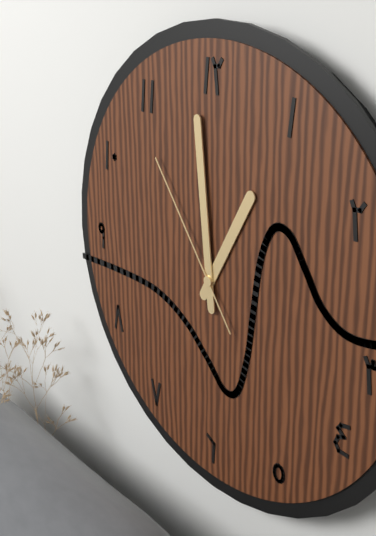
12h59m54s
